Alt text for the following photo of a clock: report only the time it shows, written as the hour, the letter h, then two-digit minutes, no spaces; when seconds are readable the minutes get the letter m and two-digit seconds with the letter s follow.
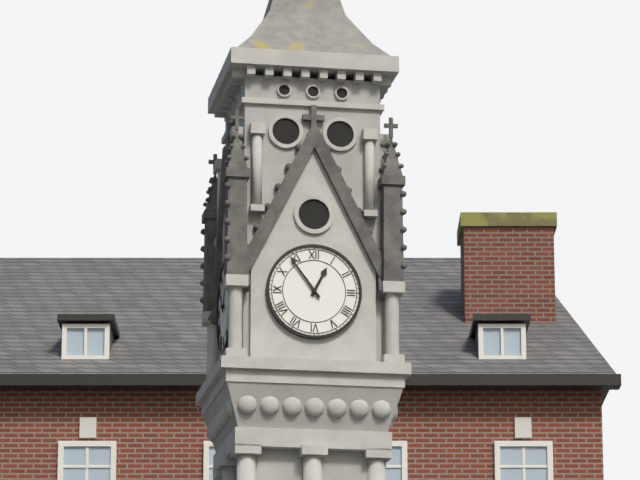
12h54
